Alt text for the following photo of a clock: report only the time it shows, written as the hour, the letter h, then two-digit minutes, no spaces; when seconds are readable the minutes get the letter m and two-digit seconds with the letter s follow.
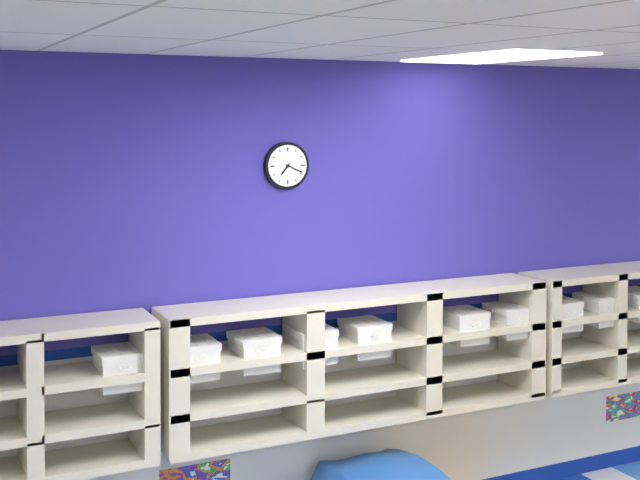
7h19
